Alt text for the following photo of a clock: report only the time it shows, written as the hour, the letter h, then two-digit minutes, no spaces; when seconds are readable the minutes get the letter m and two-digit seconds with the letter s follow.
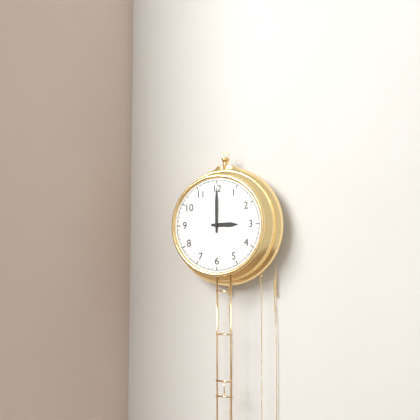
3h00
